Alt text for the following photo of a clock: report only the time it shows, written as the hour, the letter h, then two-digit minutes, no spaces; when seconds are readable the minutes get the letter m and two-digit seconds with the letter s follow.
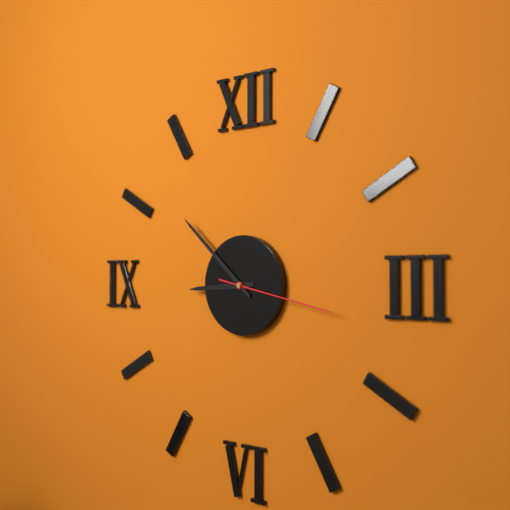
8h52m17s
